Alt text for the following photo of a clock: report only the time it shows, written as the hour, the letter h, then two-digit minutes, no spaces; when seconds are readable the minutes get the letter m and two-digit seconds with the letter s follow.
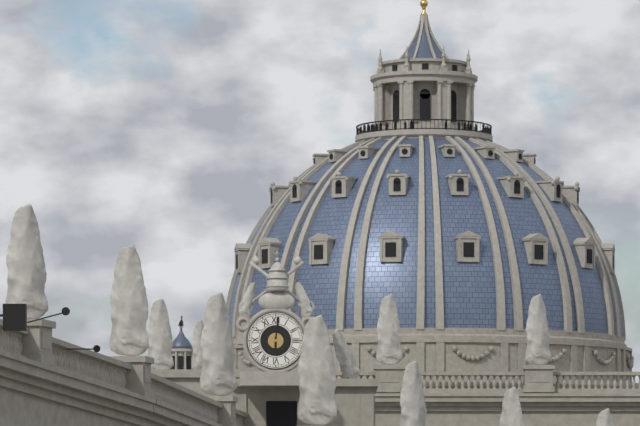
6h01
